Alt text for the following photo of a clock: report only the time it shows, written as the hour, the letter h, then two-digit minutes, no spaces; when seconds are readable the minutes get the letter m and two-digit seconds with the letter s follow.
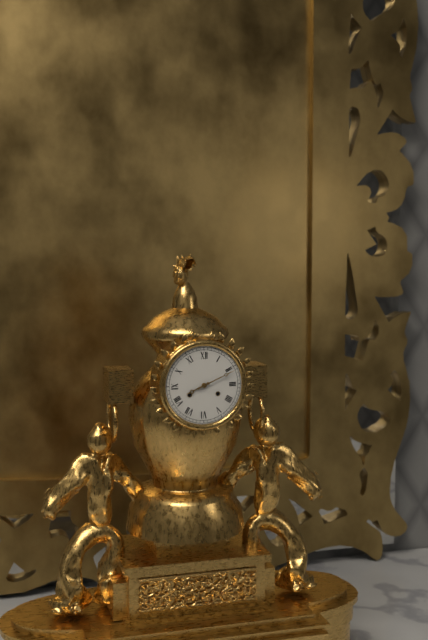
8h11
